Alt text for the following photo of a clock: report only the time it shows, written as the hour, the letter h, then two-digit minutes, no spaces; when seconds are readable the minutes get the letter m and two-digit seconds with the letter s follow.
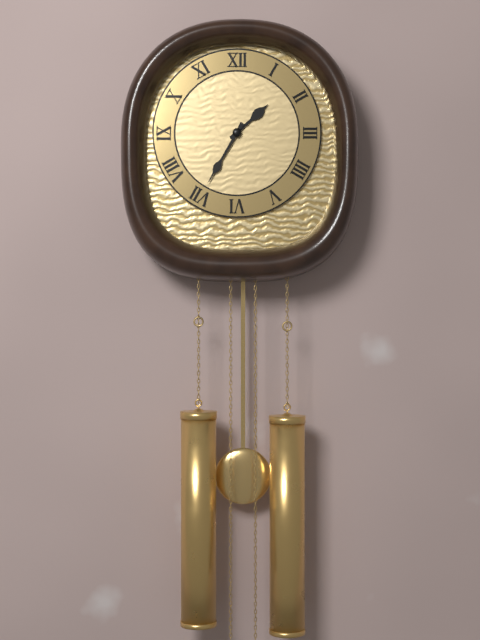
1h35
